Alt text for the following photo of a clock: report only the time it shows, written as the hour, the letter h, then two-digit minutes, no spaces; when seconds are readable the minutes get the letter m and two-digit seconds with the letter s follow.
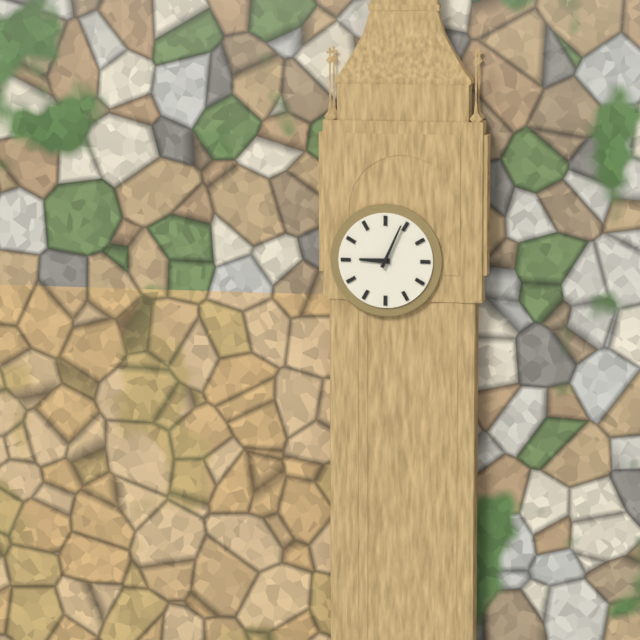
9h04
